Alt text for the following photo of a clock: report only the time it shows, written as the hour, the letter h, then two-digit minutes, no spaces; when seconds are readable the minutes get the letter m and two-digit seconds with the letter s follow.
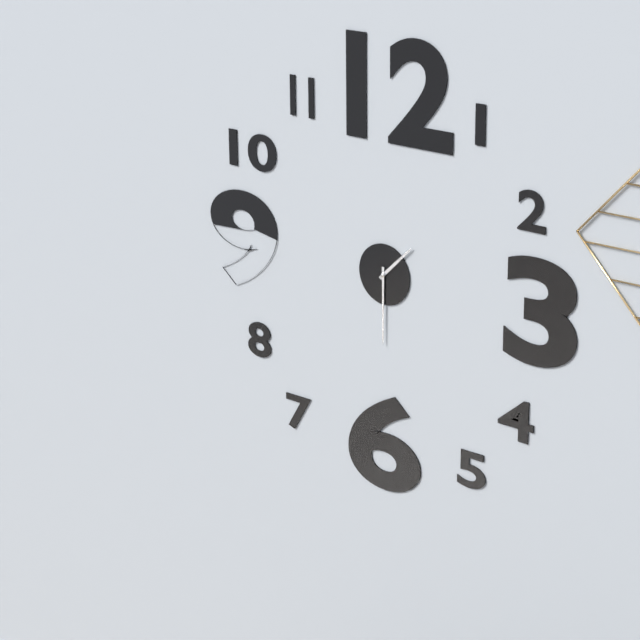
1h30
